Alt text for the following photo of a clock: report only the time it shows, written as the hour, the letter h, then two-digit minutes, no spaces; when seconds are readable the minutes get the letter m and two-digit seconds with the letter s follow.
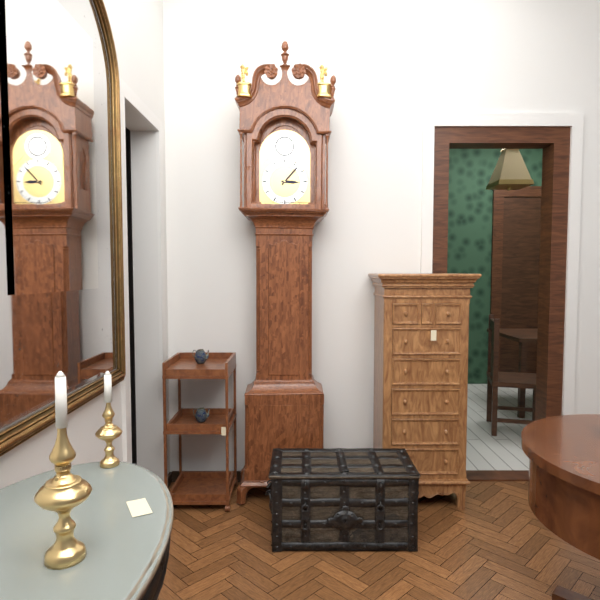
3h07
